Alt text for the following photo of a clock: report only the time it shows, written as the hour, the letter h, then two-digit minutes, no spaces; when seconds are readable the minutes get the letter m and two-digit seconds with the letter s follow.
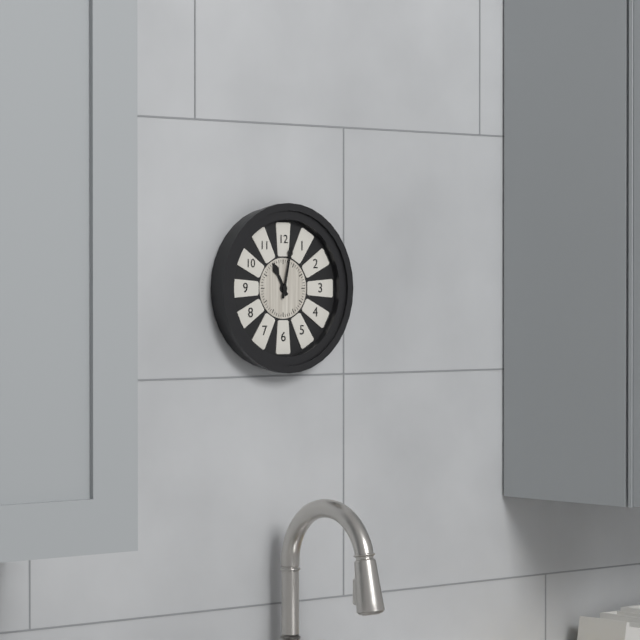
11h02
